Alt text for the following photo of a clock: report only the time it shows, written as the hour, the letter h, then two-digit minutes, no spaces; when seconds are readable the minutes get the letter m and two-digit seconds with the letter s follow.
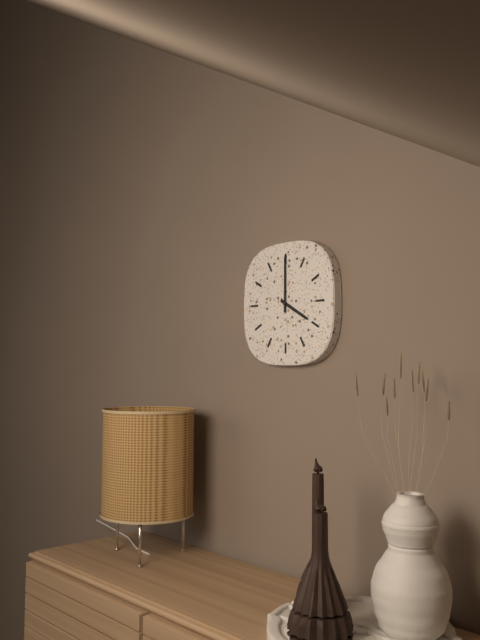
4h00
